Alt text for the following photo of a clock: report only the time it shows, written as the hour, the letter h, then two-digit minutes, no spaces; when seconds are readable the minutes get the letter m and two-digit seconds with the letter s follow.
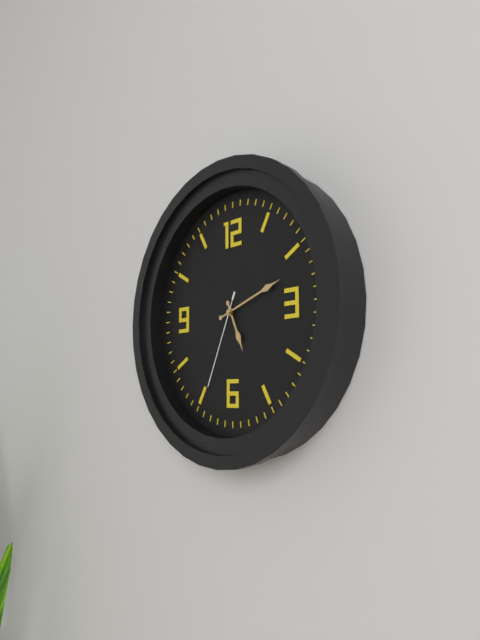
5h12m34s
